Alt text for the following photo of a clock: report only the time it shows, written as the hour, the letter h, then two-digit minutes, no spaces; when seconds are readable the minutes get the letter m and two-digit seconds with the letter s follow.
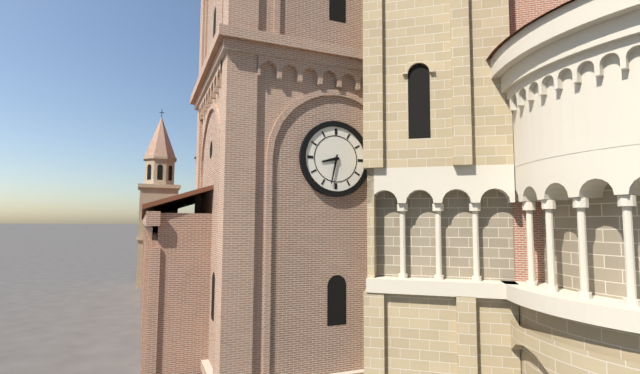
8h32
